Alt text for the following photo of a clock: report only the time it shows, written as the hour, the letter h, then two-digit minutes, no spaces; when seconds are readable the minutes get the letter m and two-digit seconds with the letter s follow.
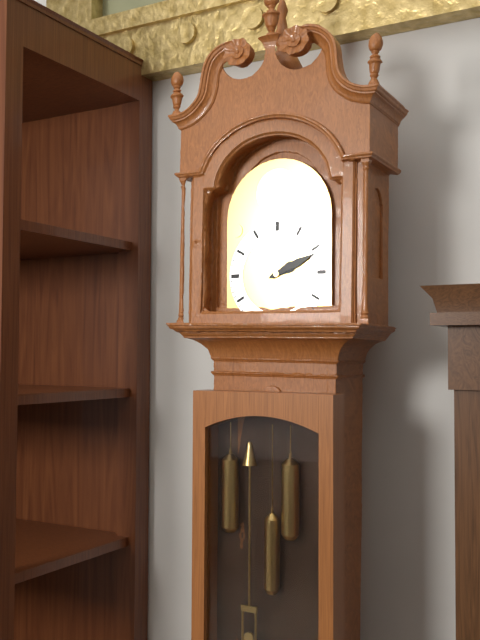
2h11
